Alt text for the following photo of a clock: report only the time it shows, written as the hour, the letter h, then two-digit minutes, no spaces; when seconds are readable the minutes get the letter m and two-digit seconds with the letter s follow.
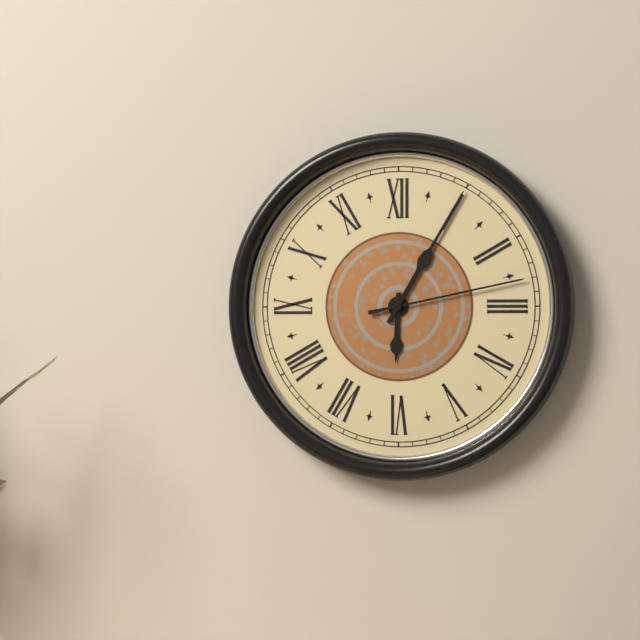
6h05m13s
